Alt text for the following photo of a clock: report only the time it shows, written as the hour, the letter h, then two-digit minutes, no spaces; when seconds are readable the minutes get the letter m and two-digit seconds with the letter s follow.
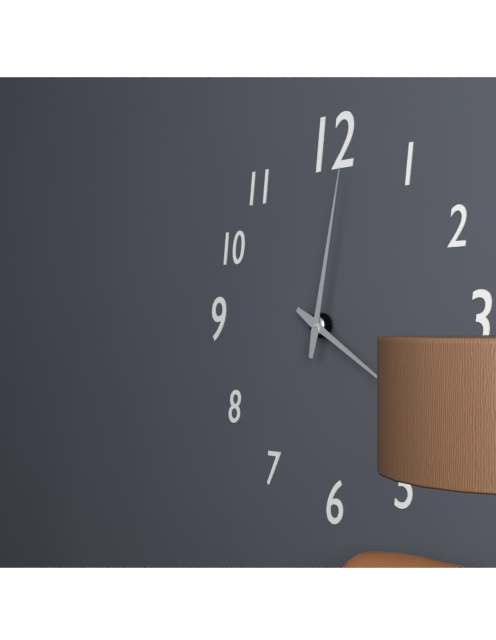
4h02
